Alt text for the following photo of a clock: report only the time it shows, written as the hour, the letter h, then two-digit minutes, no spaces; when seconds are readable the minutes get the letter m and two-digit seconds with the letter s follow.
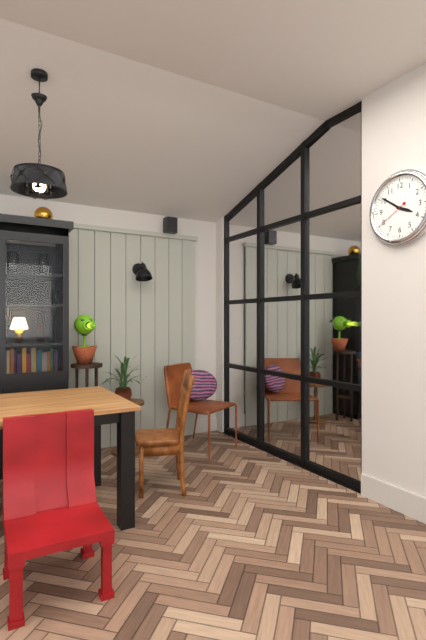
3h51
